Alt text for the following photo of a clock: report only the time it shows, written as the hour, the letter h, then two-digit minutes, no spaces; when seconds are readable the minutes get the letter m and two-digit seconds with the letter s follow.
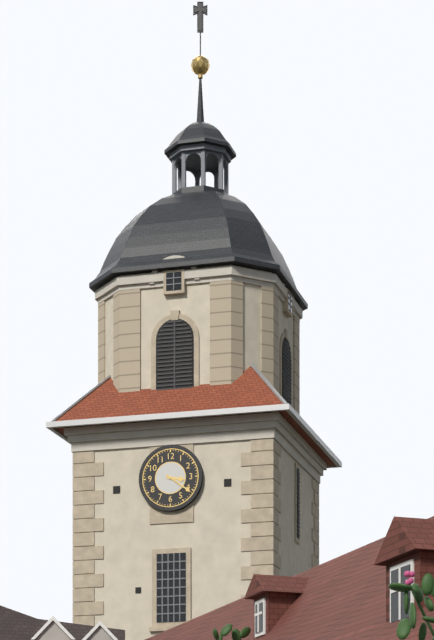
3h21
